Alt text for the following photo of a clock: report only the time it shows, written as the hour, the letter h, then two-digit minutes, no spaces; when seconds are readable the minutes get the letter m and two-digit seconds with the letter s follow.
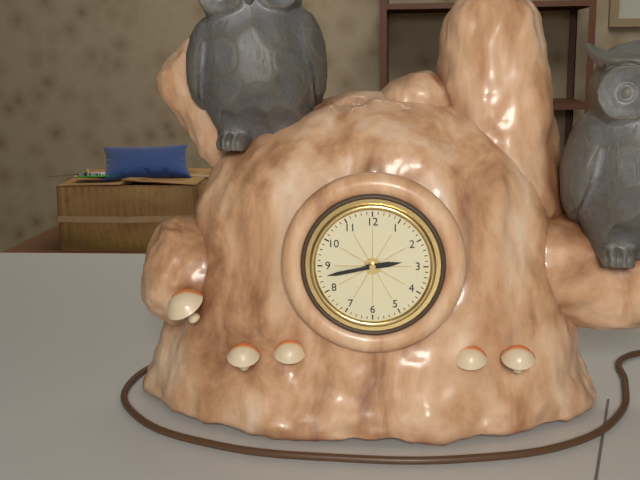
2h43
